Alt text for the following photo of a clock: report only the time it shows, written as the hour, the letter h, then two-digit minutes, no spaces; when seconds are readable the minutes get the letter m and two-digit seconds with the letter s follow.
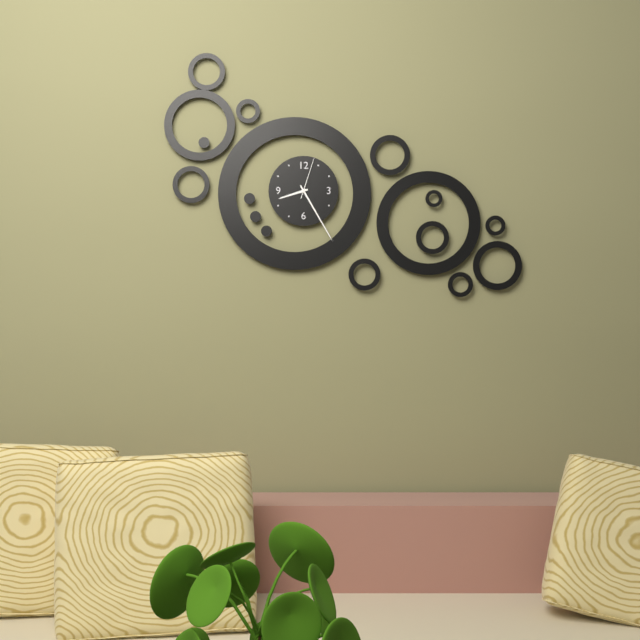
8h25
